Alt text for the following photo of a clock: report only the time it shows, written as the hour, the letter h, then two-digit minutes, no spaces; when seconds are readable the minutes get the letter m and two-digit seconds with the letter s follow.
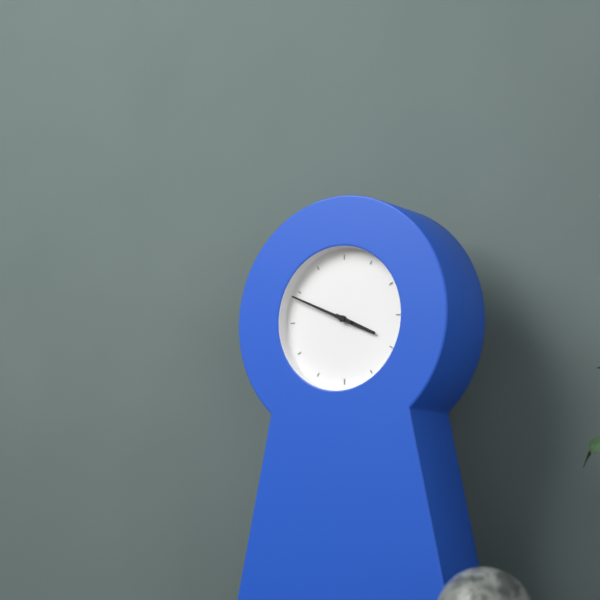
3h49
